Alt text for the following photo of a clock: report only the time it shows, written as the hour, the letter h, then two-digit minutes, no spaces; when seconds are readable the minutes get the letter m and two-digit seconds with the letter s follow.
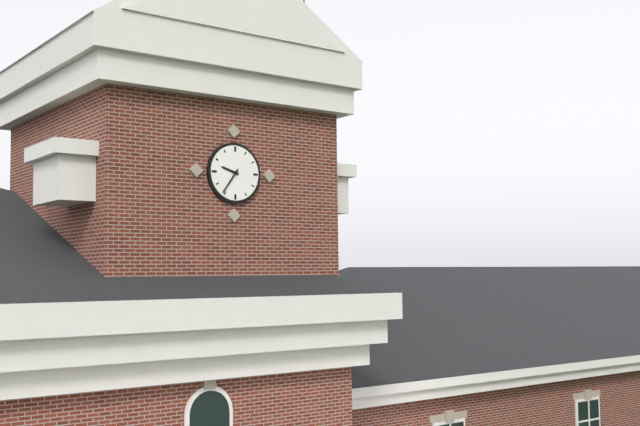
9h36
